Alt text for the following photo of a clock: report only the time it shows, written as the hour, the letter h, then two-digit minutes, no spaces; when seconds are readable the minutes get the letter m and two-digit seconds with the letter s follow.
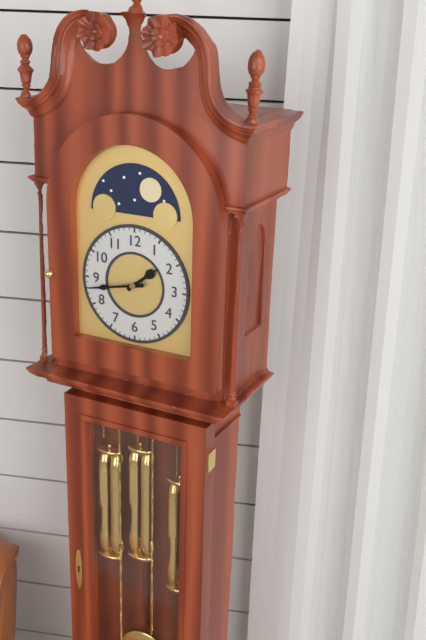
1h43
